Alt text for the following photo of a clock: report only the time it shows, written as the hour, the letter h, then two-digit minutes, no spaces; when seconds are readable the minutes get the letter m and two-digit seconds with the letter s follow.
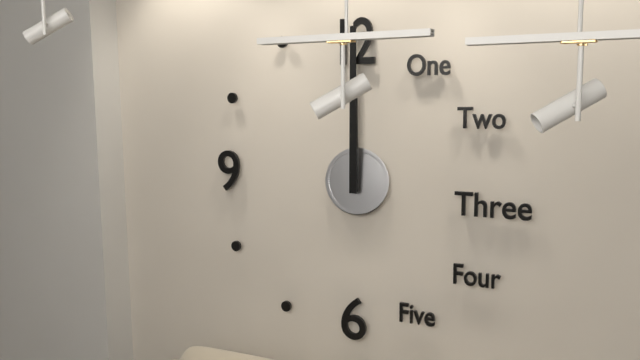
12h00
